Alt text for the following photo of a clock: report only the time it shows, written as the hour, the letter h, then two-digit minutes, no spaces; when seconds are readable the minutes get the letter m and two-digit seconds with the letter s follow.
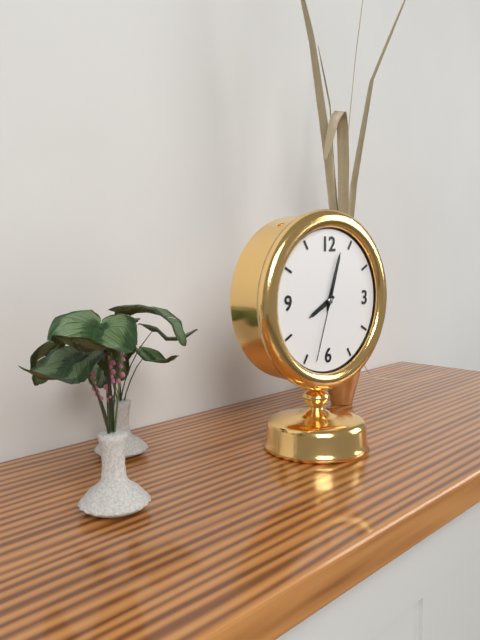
8h03m33s
